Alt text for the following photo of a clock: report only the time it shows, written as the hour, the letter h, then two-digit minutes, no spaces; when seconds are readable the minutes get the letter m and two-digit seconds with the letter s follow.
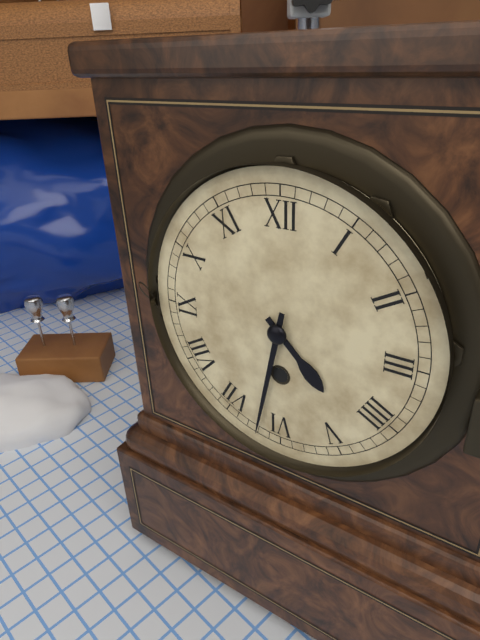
4h32
